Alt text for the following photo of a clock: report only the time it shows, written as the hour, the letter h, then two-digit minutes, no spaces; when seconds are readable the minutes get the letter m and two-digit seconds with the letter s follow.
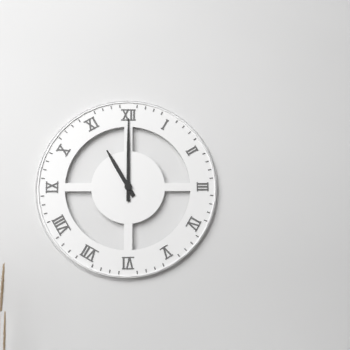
11h00
